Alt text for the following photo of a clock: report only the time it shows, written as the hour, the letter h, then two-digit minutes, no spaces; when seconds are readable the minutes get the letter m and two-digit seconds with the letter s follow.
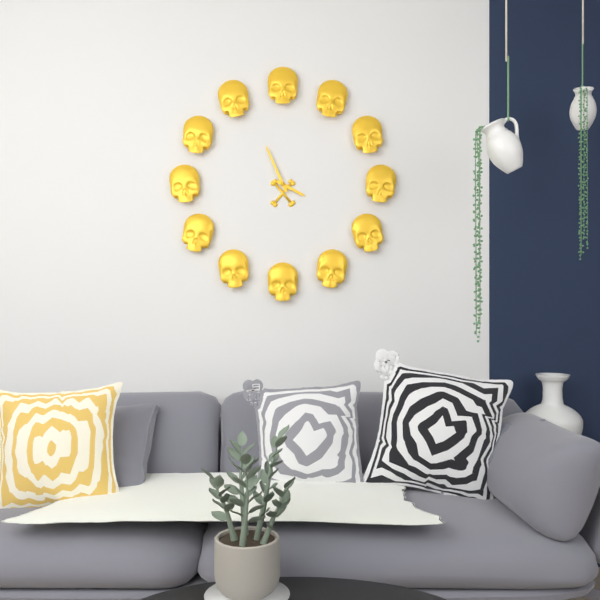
3h56
